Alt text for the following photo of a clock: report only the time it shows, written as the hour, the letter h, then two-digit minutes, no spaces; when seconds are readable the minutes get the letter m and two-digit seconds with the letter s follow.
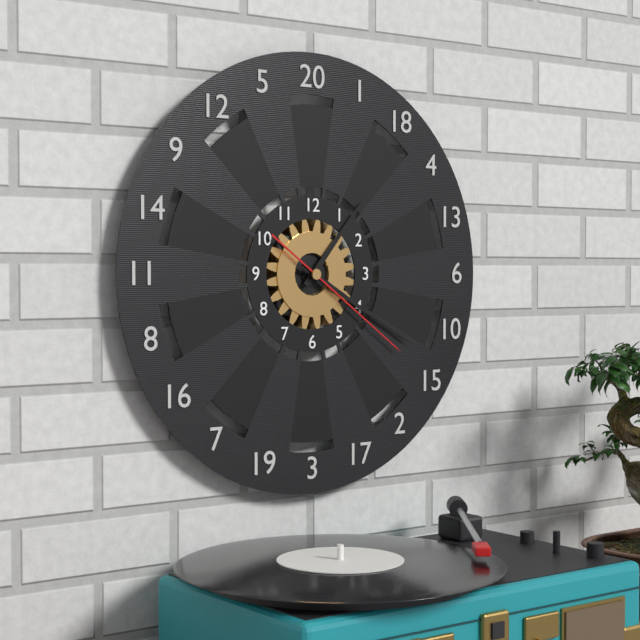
1h20m21s
